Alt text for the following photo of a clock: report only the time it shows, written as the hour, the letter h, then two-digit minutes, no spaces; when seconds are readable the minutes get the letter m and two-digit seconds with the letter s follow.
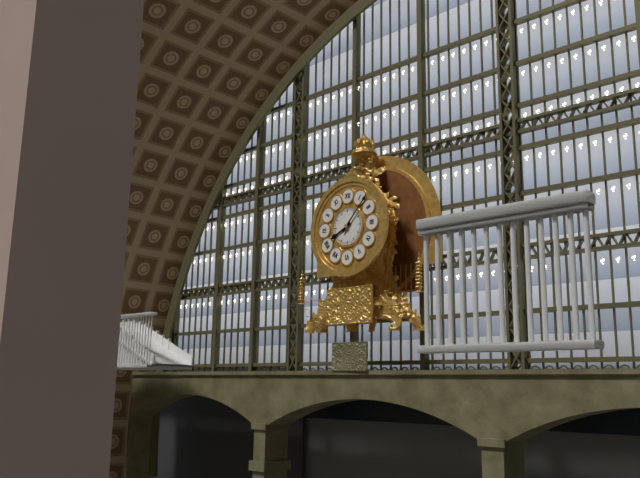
8h07
